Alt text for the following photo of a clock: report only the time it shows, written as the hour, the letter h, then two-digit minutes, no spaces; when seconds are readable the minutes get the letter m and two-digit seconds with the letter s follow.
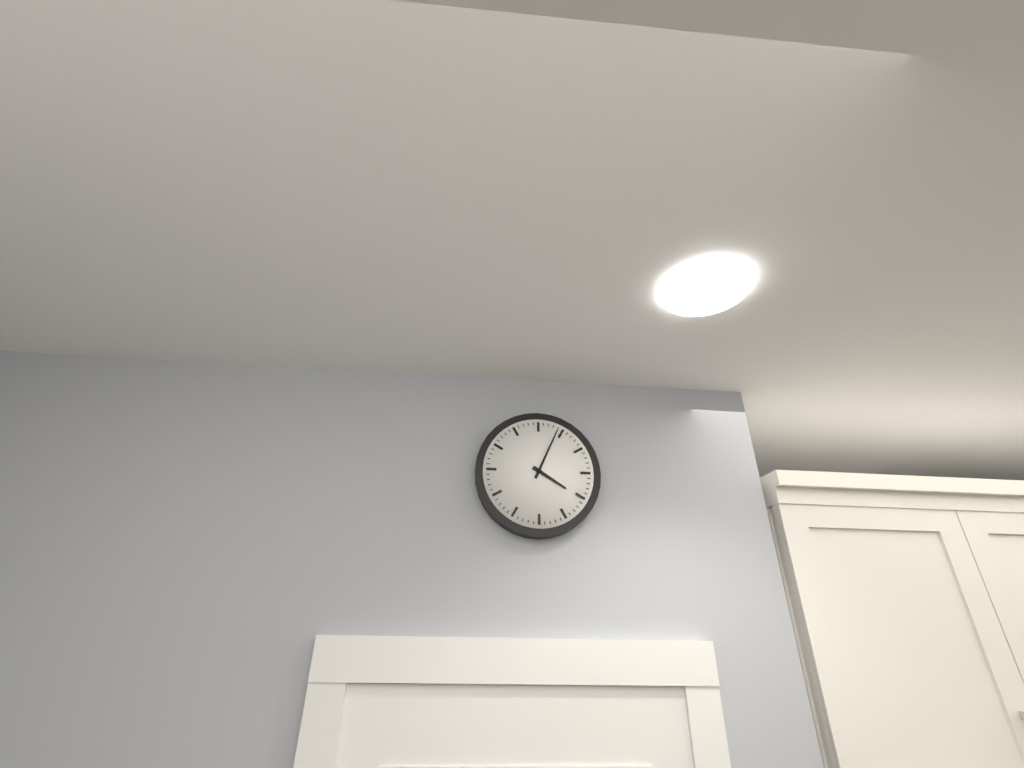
4h04
